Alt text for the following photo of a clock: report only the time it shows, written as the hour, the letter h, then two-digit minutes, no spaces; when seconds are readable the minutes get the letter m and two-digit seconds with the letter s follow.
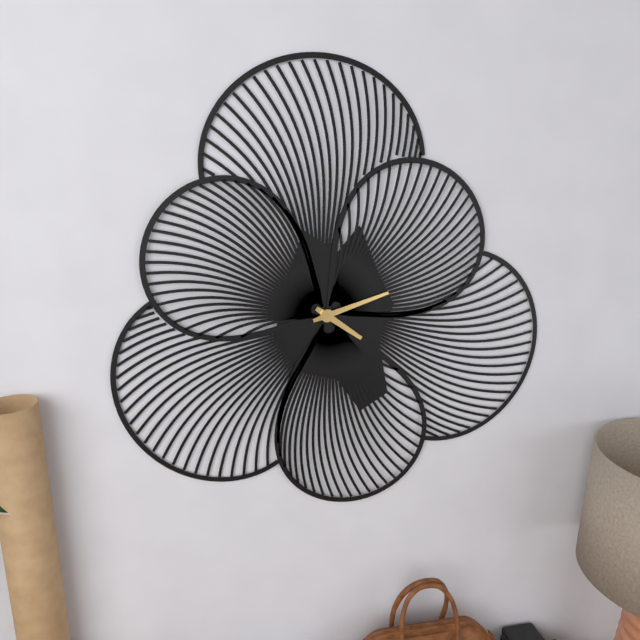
4h12
